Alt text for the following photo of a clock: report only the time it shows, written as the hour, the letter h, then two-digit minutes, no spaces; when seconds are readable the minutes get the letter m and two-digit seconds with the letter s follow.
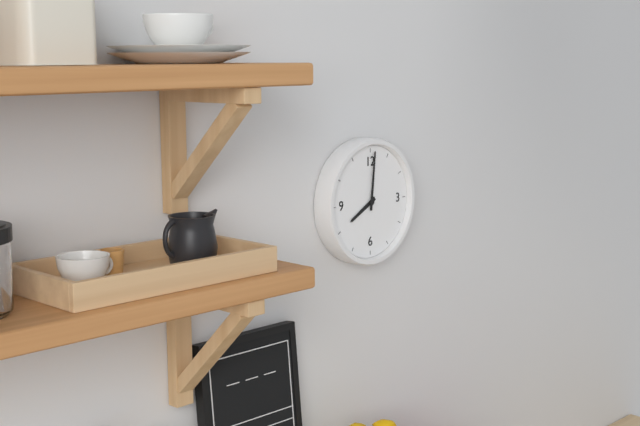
8h01
